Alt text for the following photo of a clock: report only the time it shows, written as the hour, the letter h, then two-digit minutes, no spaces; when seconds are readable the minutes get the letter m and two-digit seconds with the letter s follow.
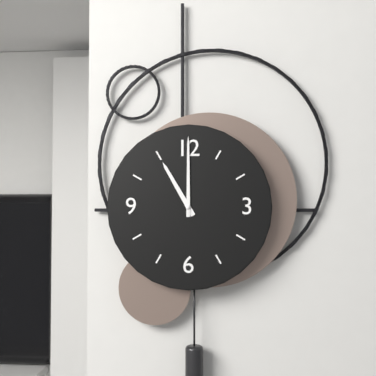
11h00
